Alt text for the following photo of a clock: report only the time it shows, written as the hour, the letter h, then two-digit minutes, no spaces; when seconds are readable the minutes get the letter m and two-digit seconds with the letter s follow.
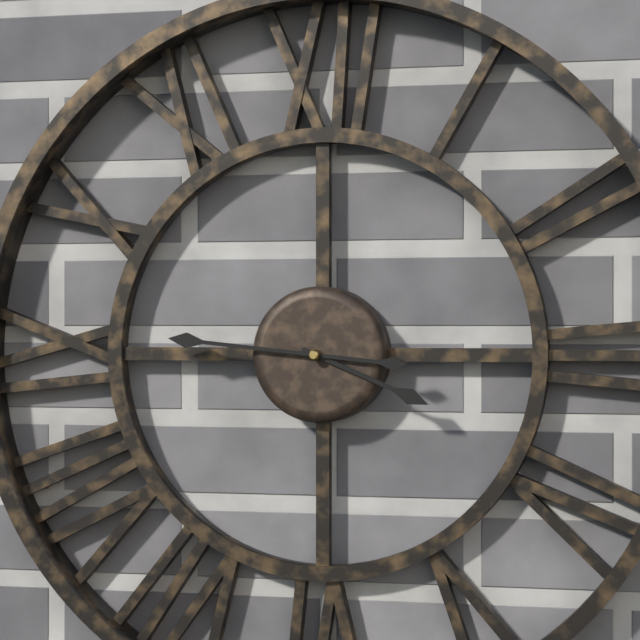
3h46
